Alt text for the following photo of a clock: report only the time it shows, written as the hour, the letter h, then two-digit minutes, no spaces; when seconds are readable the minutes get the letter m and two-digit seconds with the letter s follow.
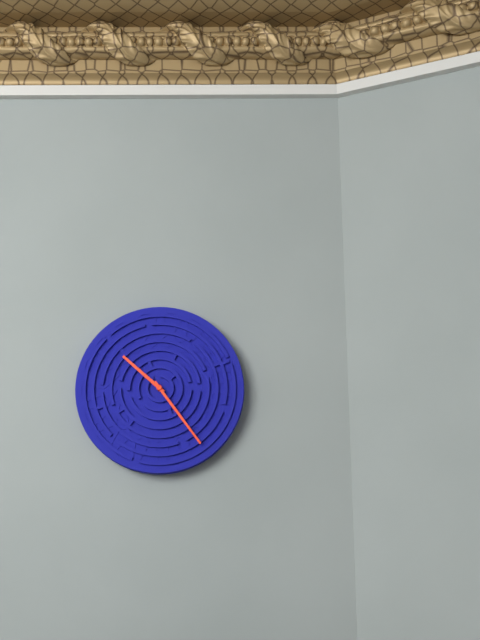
10h24
